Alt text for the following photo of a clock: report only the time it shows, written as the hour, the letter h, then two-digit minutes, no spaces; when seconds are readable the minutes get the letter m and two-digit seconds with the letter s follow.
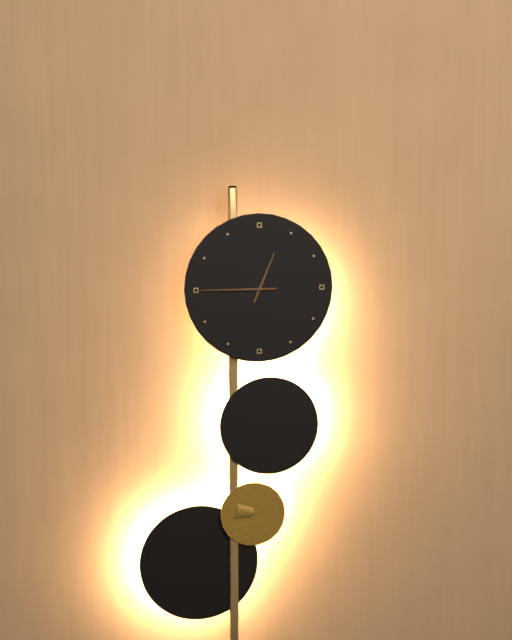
12h45
